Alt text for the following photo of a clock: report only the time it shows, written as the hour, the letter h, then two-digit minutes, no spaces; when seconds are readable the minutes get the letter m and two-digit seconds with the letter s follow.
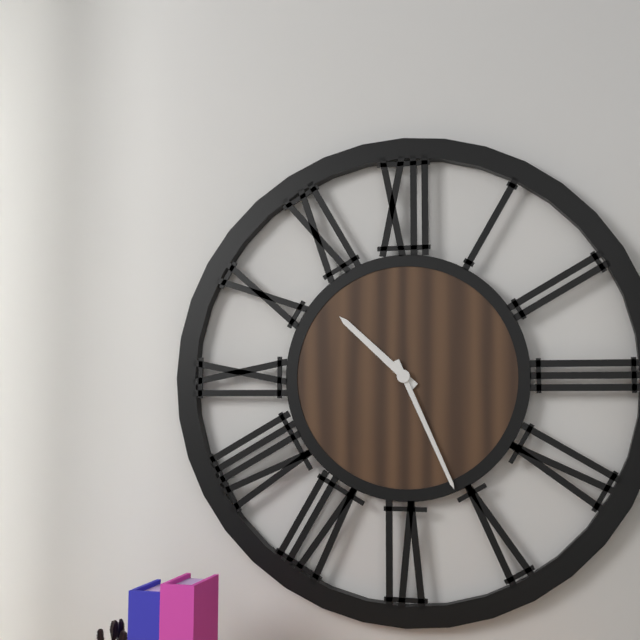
10h26
